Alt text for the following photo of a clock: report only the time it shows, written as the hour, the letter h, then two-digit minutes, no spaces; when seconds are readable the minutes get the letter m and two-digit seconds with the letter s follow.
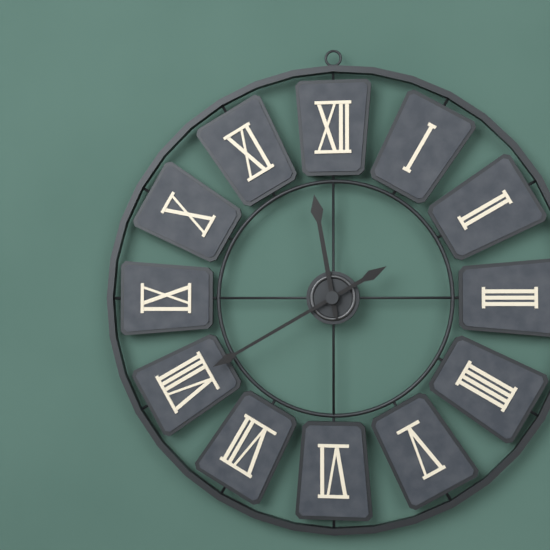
11h40
